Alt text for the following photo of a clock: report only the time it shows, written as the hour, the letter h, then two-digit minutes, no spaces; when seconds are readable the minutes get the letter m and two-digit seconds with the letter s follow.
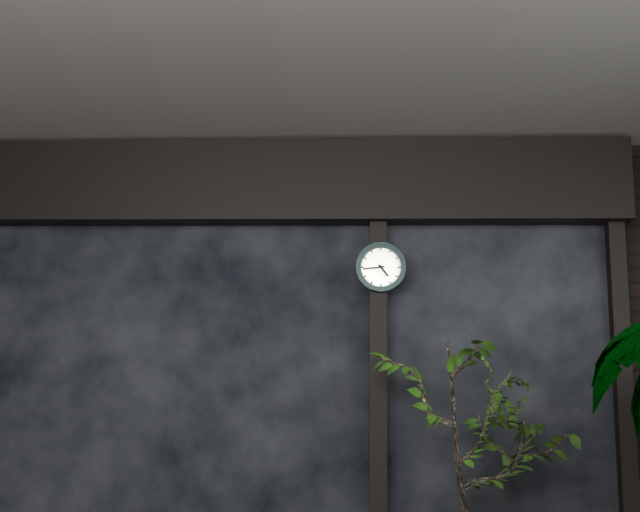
4h44
